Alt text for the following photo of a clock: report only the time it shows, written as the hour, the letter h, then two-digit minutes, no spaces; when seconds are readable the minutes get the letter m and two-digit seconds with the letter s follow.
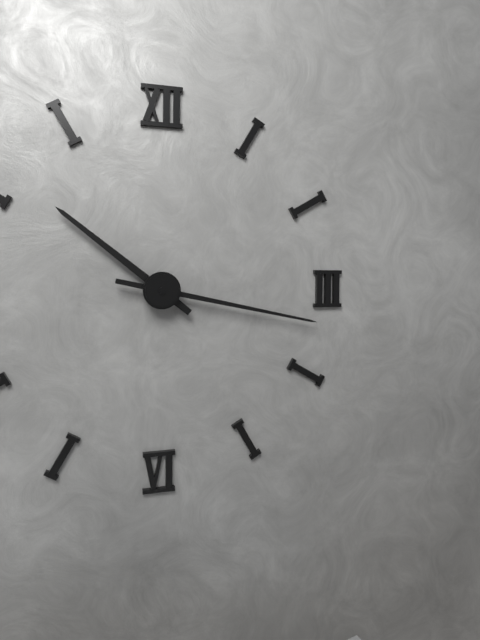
10h17
